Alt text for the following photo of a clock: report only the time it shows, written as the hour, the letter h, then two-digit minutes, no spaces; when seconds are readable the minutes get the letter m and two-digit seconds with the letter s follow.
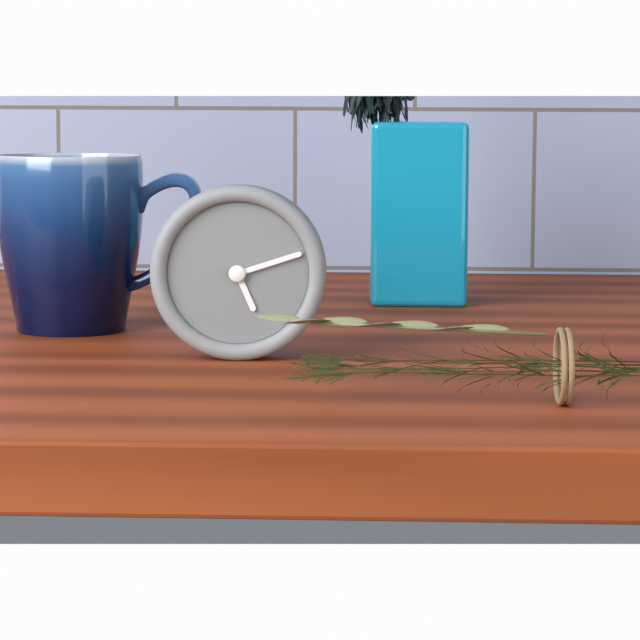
5h12
